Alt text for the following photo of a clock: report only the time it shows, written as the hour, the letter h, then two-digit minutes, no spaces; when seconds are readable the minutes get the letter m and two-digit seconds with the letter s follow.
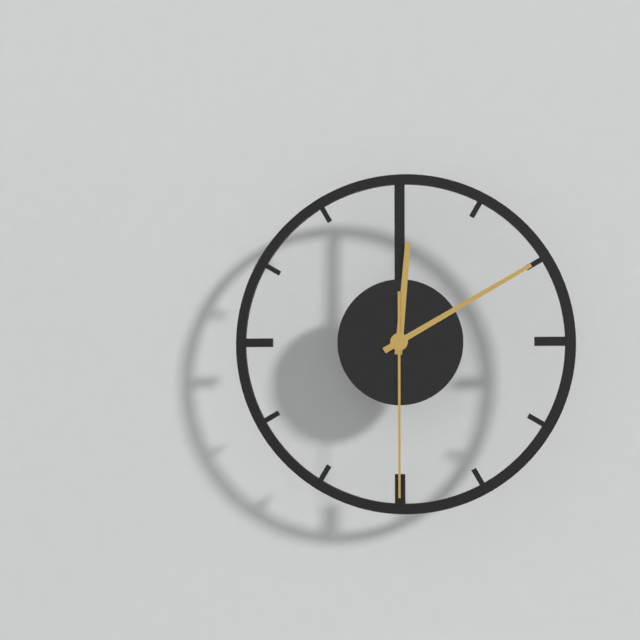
12h10m30s
